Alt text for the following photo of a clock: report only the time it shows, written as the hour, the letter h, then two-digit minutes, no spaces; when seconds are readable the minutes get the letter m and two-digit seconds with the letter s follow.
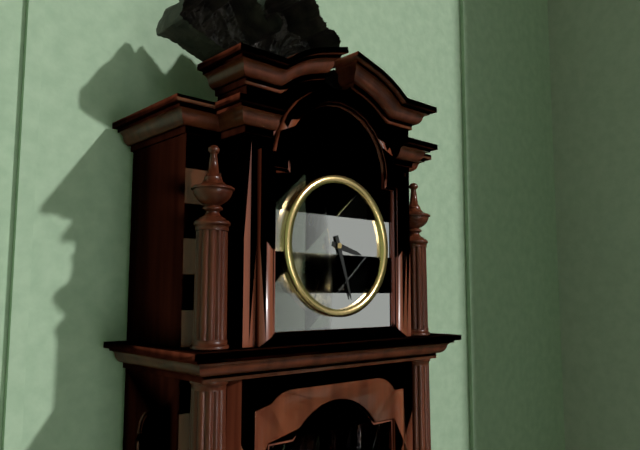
3h27
